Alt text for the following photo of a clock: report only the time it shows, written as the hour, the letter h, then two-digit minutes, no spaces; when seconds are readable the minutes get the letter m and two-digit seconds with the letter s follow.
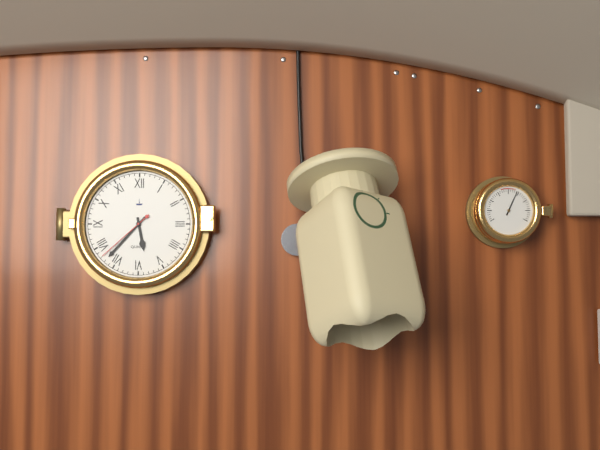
5h37m38s
